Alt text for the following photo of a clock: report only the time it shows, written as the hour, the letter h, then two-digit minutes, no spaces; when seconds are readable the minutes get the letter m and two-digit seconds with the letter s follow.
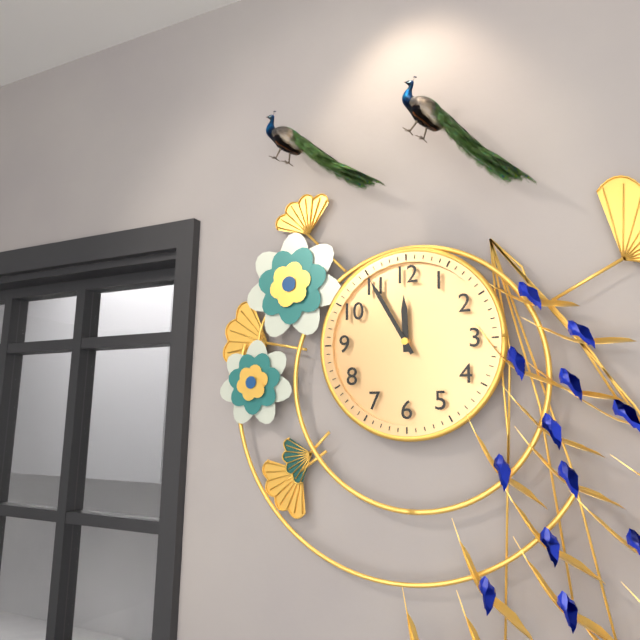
11h55
